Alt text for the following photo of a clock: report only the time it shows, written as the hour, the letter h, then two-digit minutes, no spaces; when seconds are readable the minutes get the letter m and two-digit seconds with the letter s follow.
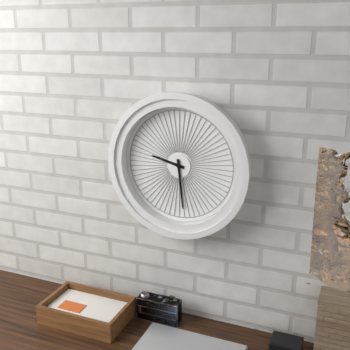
9h29
